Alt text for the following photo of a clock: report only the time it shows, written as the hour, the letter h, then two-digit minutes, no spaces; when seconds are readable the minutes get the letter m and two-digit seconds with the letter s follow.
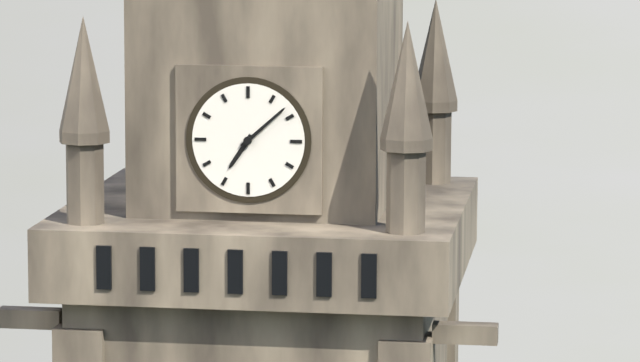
7h08
